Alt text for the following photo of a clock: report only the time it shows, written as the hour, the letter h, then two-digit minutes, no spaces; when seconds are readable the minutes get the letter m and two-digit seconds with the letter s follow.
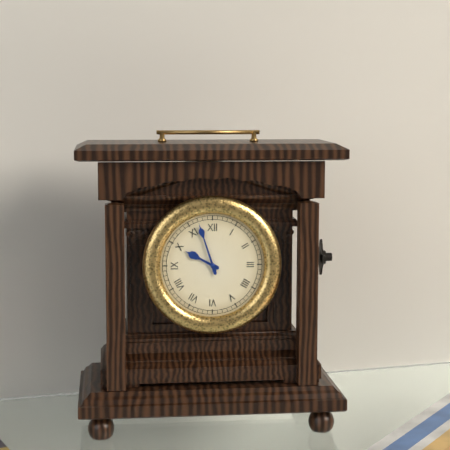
9h57
